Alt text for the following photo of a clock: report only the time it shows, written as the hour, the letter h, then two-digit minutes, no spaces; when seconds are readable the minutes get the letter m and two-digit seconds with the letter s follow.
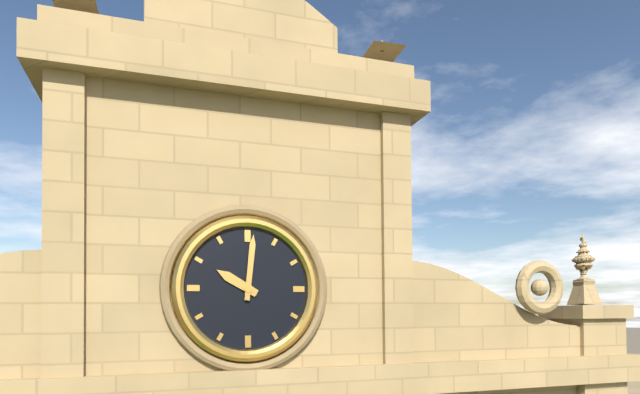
10h01
